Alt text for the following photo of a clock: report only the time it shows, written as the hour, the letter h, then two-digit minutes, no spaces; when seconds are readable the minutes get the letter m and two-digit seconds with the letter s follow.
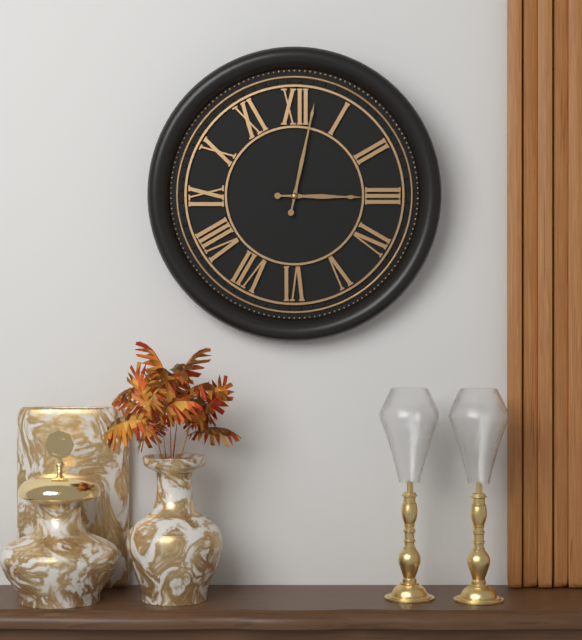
3h02
